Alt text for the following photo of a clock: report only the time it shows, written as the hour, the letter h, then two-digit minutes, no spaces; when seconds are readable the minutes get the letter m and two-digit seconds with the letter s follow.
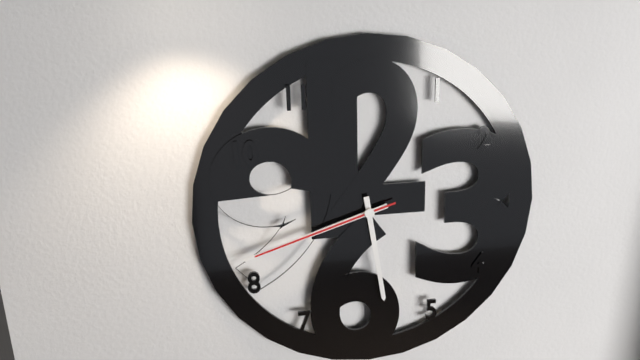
5h42m42s
